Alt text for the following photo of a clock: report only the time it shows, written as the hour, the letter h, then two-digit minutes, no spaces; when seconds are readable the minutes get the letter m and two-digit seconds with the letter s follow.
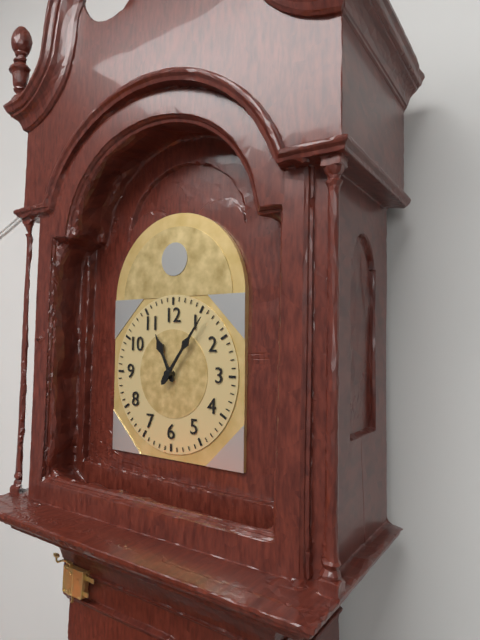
11h06
